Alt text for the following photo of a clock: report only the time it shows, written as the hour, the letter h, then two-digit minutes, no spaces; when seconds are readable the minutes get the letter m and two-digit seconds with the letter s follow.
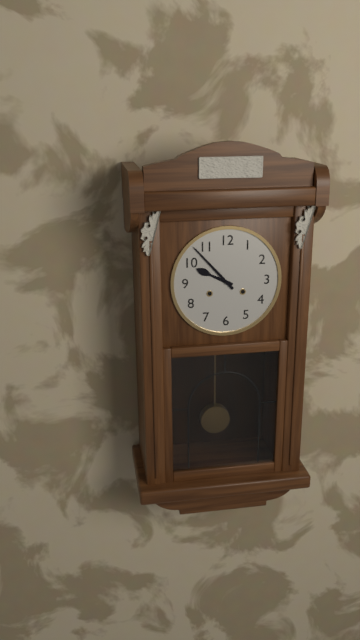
9h53
